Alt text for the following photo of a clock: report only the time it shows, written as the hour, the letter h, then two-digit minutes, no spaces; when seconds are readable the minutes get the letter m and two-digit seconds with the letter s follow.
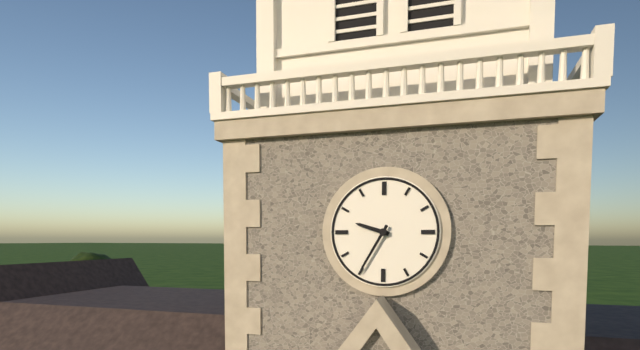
9h35
